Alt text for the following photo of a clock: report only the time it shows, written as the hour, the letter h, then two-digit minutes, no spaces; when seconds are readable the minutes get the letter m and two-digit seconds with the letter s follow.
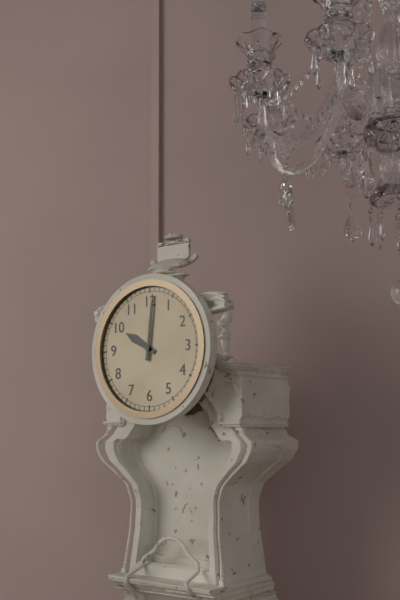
10h01
